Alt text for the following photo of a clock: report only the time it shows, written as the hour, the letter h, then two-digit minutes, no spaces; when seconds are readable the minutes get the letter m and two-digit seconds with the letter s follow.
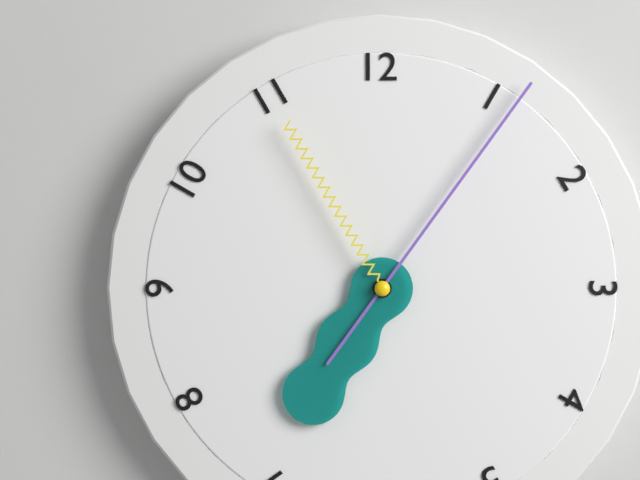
7h06m55s
